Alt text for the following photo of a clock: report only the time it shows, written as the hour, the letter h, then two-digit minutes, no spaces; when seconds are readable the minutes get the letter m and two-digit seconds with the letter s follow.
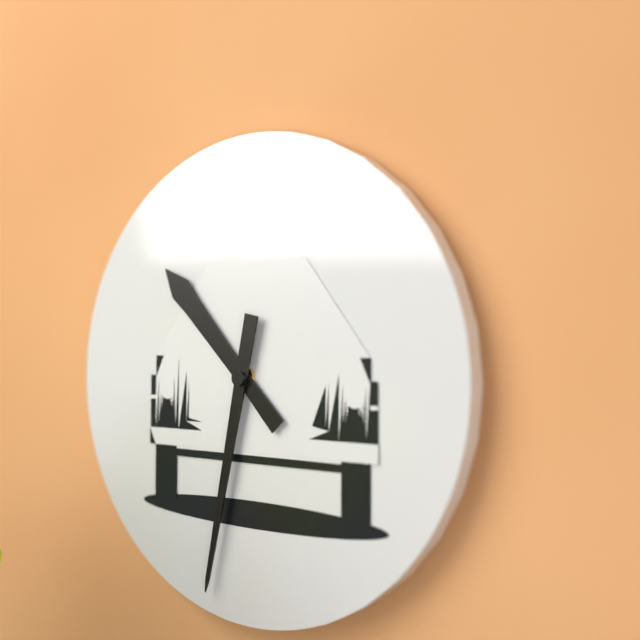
10h32
